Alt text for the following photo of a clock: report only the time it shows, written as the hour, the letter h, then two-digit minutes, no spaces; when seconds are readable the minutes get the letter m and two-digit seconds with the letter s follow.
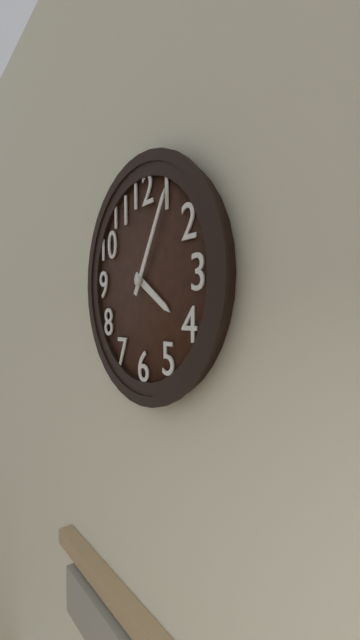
4h05
